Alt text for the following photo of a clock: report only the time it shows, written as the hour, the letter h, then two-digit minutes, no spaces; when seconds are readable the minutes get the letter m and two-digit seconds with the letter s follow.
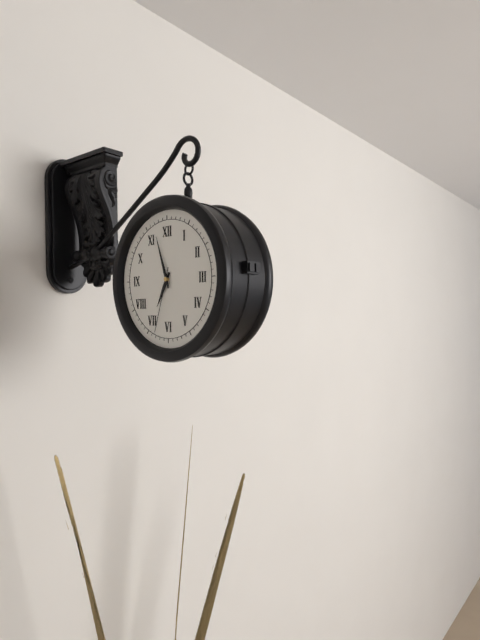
6h57m33s
